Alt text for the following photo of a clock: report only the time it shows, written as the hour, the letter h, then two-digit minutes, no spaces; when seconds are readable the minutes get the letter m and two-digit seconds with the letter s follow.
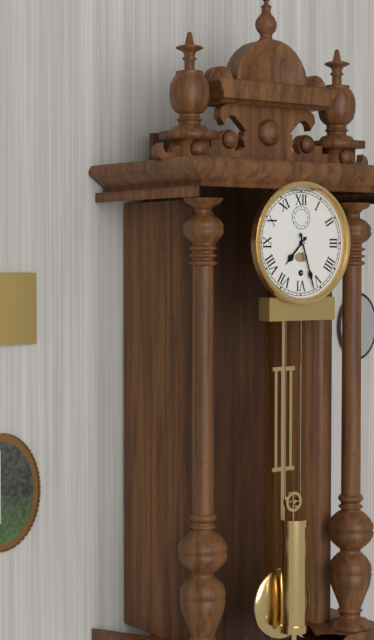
7h27
